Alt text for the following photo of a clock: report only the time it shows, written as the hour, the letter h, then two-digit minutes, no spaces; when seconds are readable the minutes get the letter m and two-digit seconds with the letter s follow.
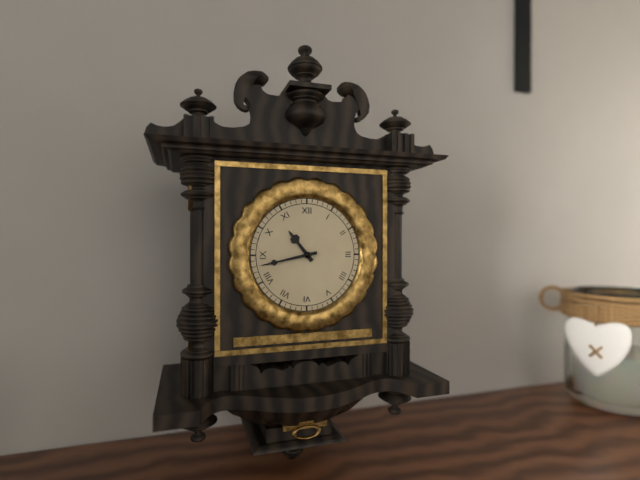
10h43
